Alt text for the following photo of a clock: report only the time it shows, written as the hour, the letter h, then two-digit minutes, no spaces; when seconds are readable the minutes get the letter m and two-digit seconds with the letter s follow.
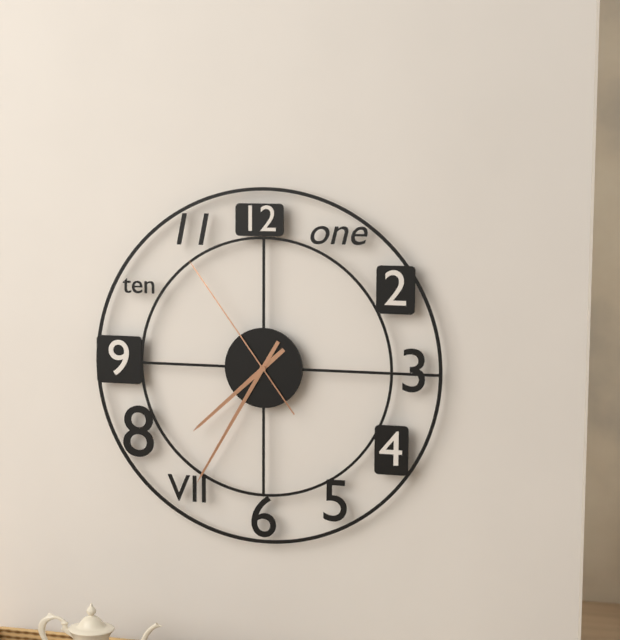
7h35m54s
